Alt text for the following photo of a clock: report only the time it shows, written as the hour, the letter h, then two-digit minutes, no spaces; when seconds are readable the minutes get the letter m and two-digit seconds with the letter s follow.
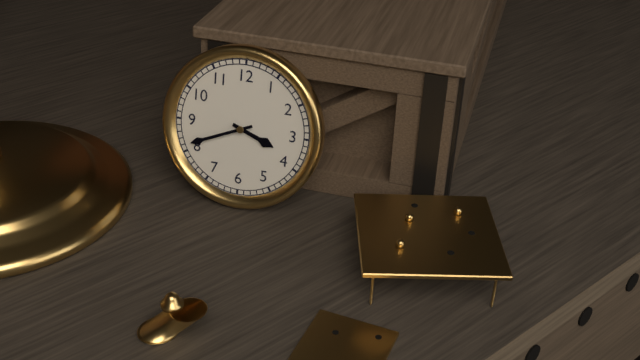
3h41
